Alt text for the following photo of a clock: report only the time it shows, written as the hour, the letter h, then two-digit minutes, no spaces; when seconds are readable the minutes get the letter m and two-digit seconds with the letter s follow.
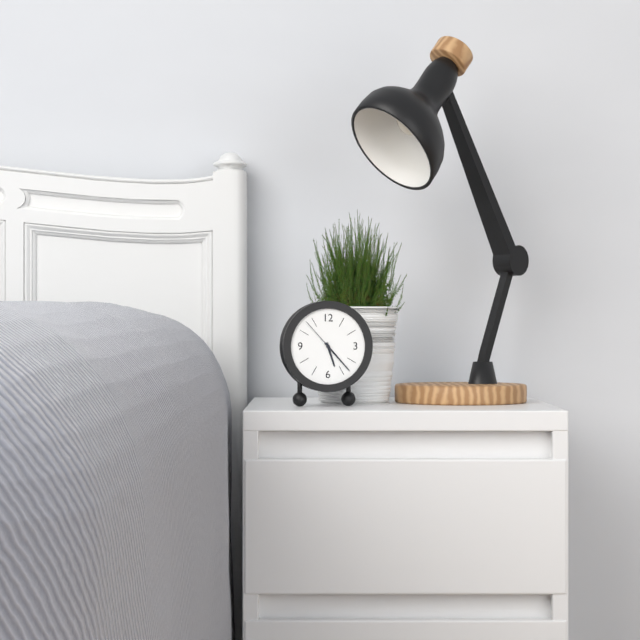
5h23
